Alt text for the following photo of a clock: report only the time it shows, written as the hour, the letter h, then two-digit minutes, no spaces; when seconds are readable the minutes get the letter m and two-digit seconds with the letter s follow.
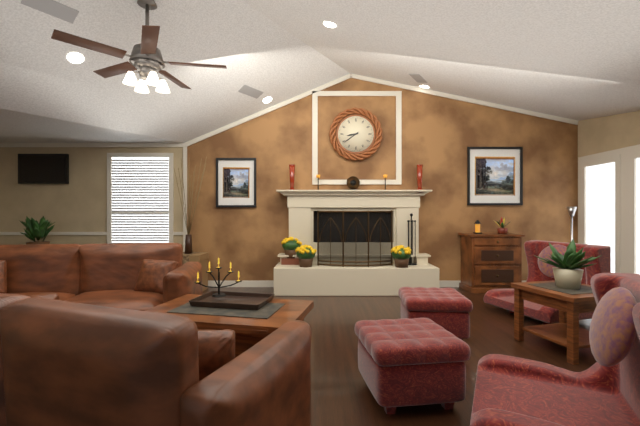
8h39
